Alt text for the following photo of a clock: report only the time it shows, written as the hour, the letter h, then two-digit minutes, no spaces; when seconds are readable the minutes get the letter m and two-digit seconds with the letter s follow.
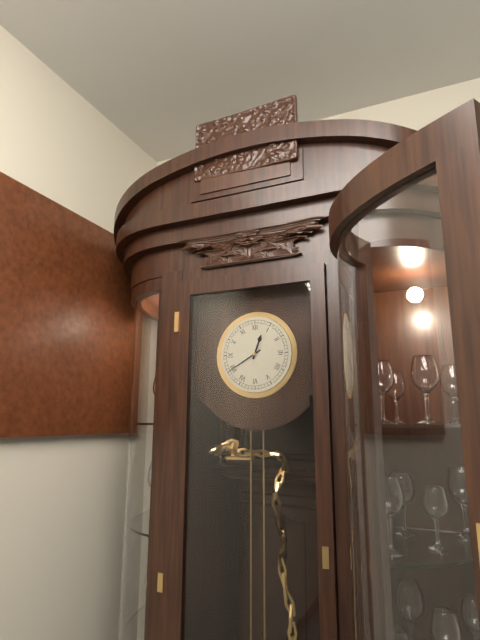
12h40
